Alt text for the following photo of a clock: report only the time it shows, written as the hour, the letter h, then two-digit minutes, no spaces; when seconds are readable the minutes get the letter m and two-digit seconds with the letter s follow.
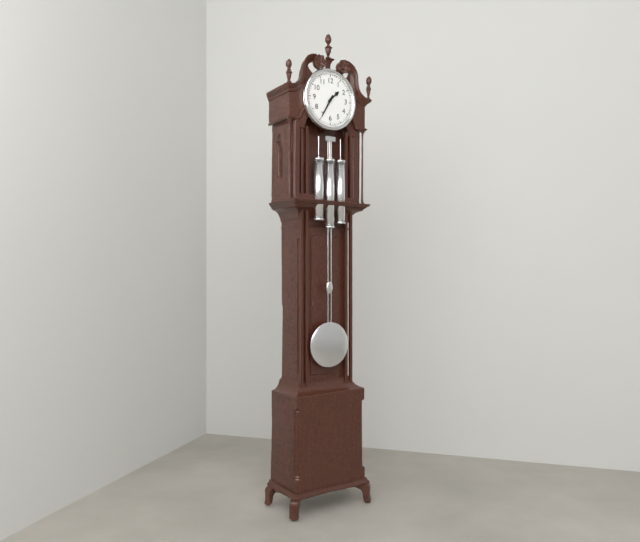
1h35
